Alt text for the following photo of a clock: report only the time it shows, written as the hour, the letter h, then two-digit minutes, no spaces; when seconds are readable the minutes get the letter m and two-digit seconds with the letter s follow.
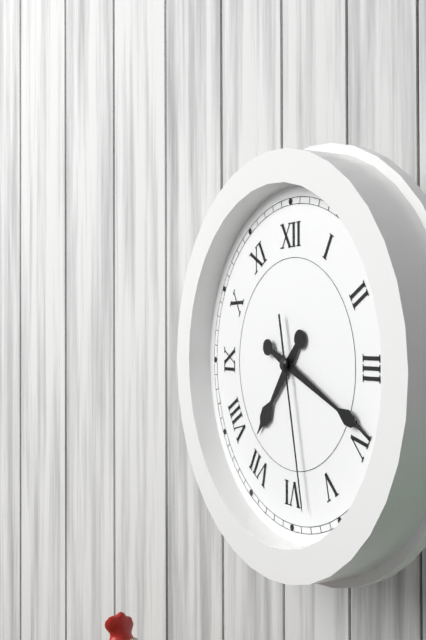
7h19m28s
